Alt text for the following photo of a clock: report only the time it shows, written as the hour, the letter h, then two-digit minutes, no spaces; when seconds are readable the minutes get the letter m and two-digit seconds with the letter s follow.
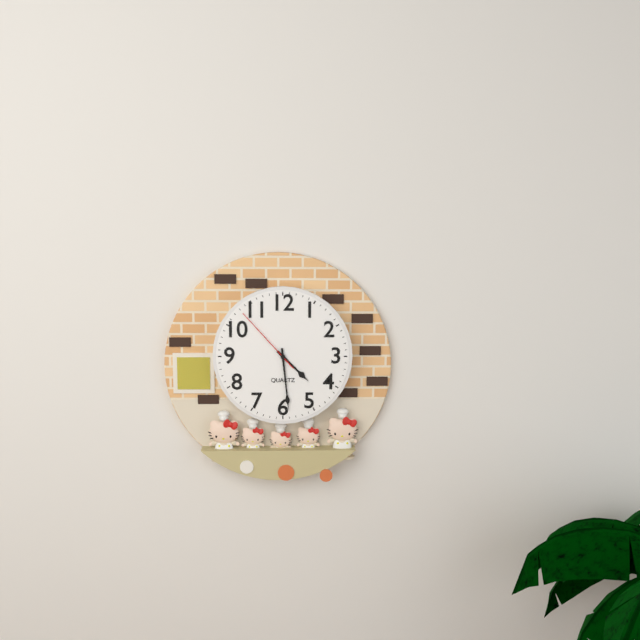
4h29m53s
